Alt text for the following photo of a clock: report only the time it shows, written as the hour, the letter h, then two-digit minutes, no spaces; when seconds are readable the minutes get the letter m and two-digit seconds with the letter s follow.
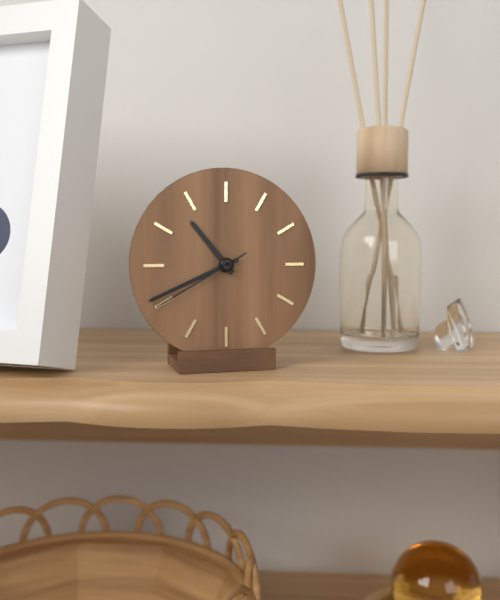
10h41m40s
